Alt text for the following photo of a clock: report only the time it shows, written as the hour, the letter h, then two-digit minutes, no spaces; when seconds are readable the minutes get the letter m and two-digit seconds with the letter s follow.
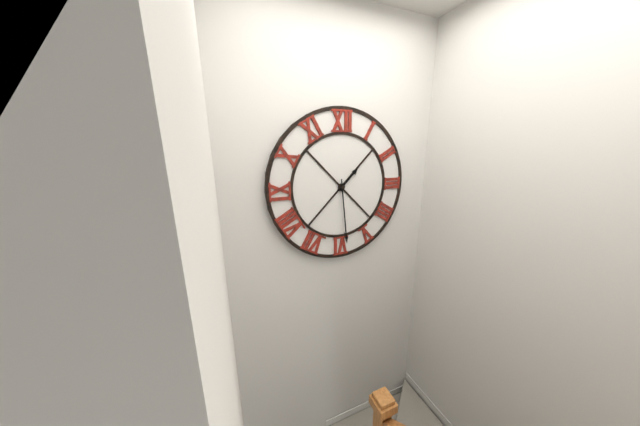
1h29
